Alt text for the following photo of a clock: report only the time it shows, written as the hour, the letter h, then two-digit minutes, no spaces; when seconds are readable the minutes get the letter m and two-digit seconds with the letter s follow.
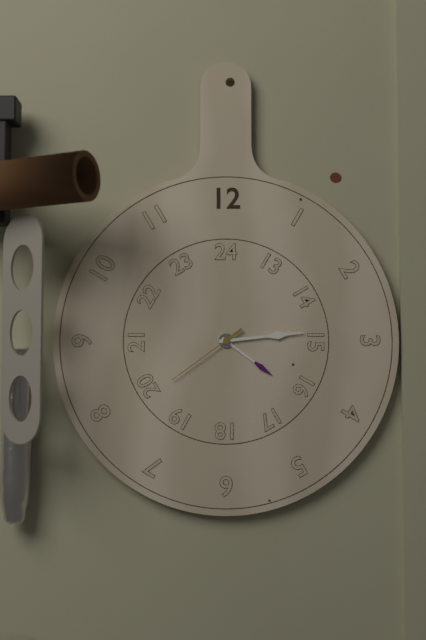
4h14m39s
